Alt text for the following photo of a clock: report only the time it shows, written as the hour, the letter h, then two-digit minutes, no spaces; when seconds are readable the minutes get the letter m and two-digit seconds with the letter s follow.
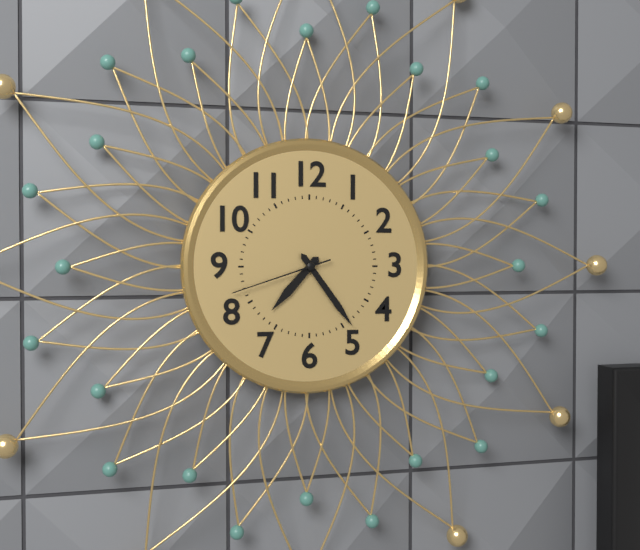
7h24m42s
